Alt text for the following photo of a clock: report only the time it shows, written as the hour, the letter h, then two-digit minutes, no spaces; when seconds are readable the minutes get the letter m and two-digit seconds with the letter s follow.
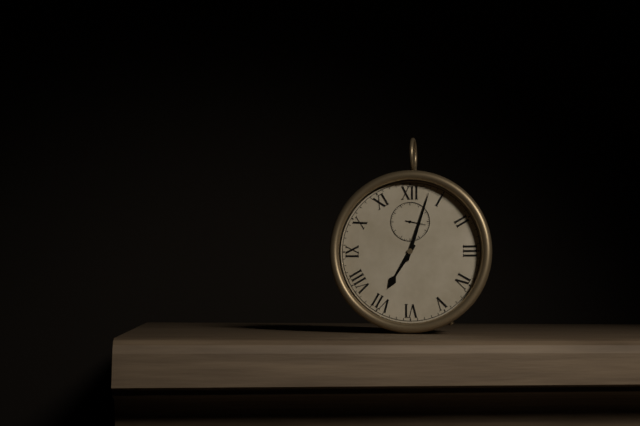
7h03
